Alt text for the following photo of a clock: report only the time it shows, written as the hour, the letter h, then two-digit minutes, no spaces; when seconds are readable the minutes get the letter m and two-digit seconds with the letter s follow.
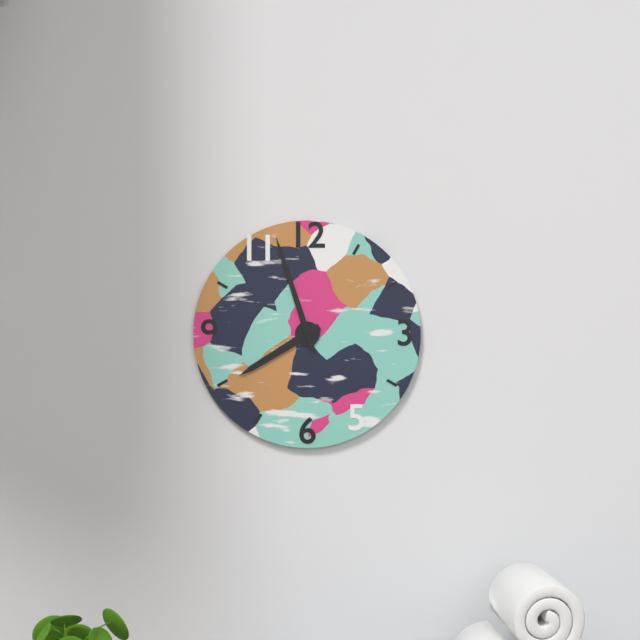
7h57
